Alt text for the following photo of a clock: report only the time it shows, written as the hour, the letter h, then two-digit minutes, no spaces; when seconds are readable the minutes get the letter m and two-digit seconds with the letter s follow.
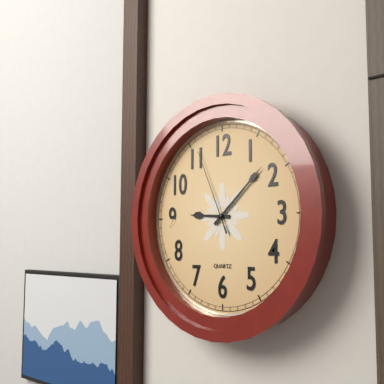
9h08m56s
